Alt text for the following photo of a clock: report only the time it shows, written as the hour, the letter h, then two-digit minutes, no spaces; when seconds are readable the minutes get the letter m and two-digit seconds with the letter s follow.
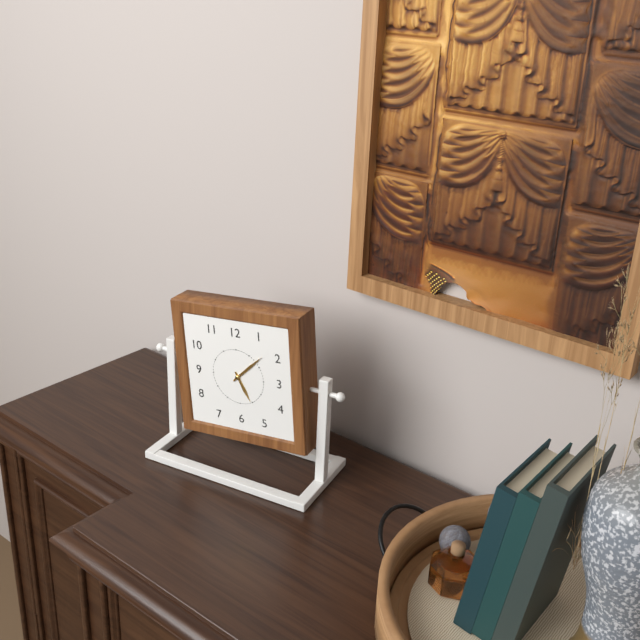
5h08
